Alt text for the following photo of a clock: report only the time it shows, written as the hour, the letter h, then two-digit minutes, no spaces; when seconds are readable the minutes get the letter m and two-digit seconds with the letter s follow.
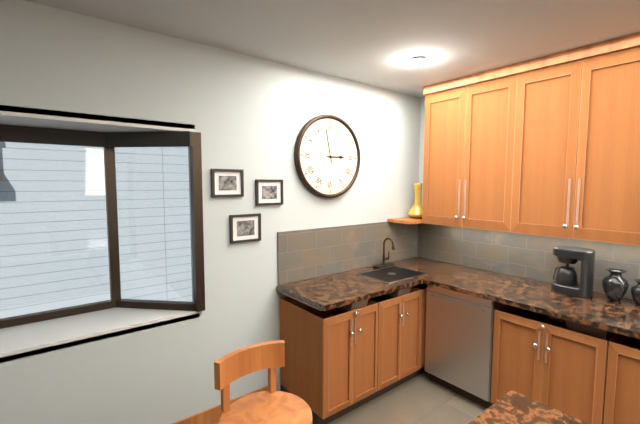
2h58
